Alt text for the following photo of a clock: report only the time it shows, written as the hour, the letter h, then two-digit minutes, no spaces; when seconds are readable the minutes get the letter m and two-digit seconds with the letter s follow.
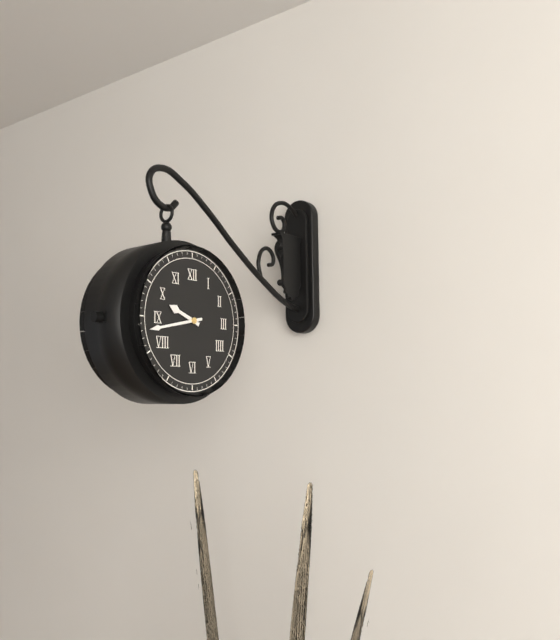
9h43
